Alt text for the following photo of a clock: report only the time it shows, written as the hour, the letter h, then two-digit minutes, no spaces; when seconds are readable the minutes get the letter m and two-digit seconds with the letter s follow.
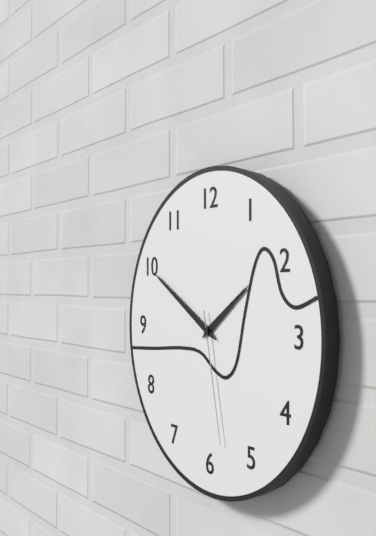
1h50m28s
